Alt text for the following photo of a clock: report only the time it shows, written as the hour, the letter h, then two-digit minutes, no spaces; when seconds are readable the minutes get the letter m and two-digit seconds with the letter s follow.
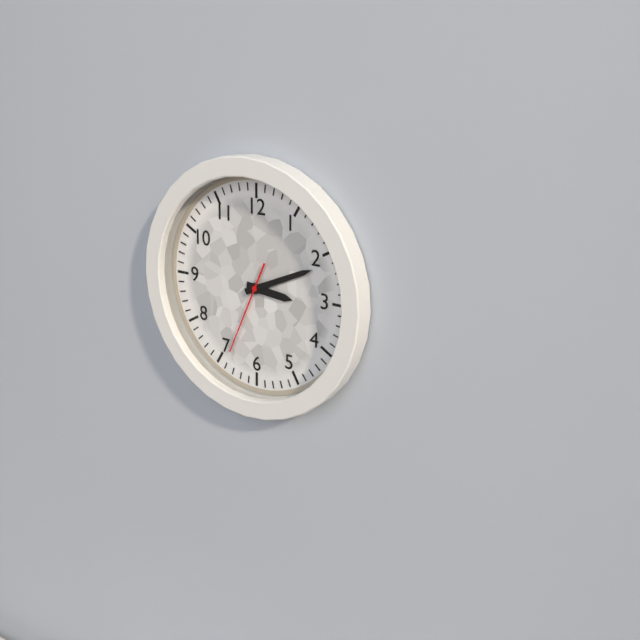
3h11m34s
